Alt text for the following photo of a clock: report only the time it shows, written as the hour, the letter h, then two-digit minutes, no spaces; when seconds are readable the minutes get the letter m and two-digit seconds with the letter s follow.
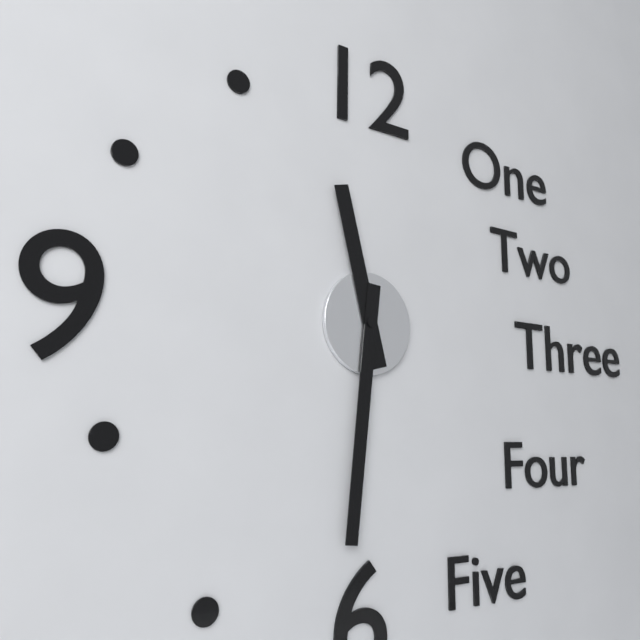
11h31
